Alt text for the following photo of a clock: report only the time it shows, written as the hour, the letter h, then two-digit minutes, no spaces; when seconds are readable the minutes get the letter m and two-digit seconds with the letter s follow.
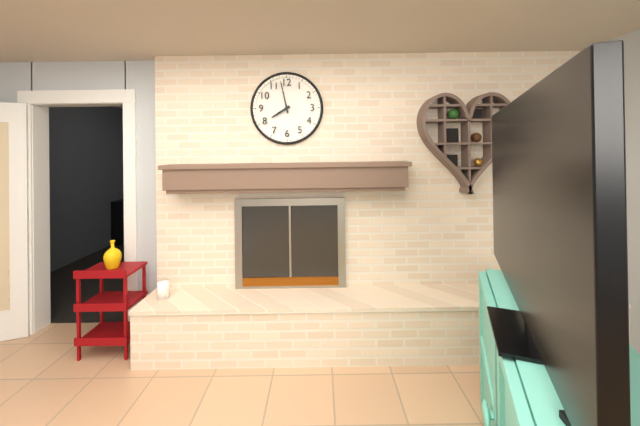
7h58
